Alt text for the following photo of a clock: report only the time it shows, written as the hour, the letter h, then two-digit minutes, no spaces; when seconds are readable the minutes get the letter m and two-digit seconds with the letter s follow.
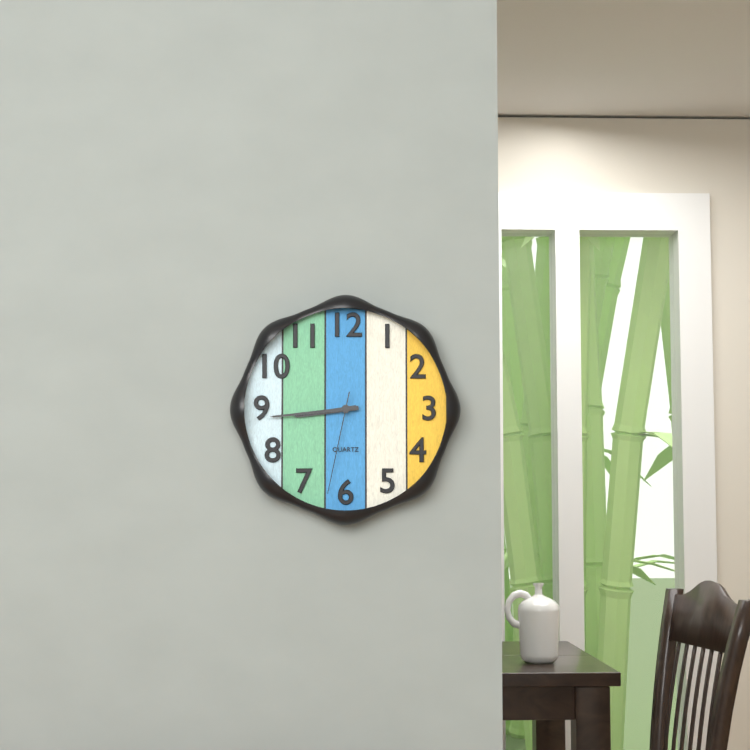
8h44m32s
